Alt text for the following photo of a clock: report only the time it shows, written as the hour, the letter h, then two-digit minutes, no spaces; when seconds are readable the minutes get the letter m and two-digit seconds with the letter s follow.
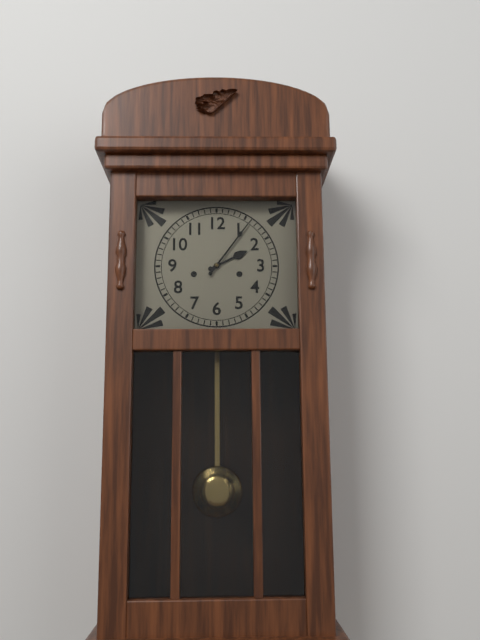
2h06
